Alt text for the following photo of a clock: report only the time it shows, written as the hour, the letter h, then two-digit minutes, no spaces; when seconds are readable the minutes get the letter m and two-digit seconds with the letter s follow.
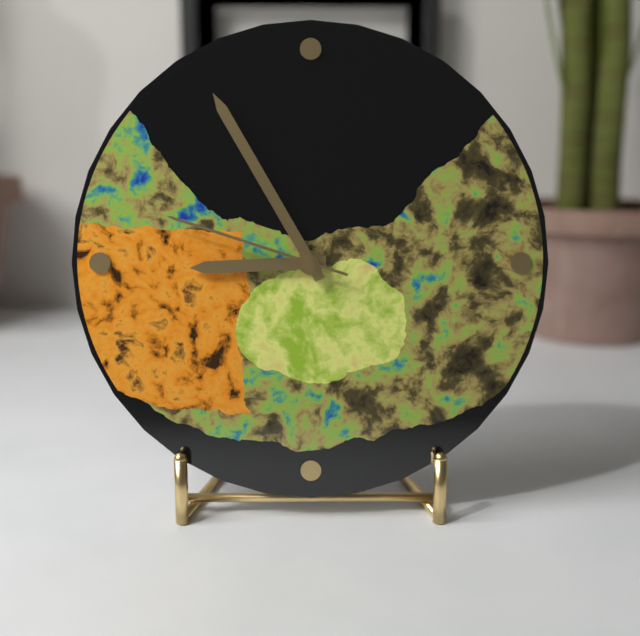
8h55m48s
